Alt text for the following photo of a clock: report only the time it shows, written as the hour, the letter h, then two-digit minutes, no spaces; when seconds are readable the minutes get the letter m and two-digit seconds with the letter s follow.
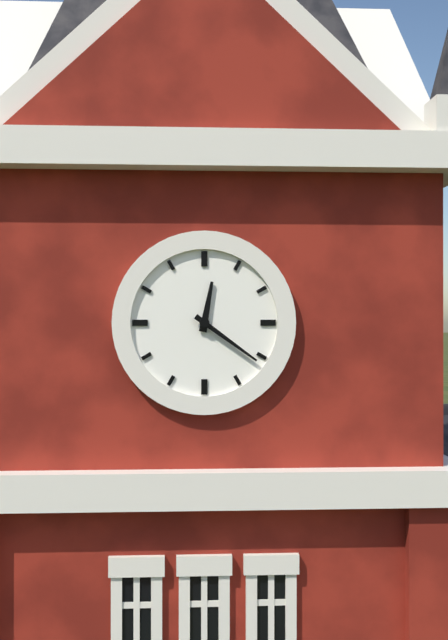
12h21
